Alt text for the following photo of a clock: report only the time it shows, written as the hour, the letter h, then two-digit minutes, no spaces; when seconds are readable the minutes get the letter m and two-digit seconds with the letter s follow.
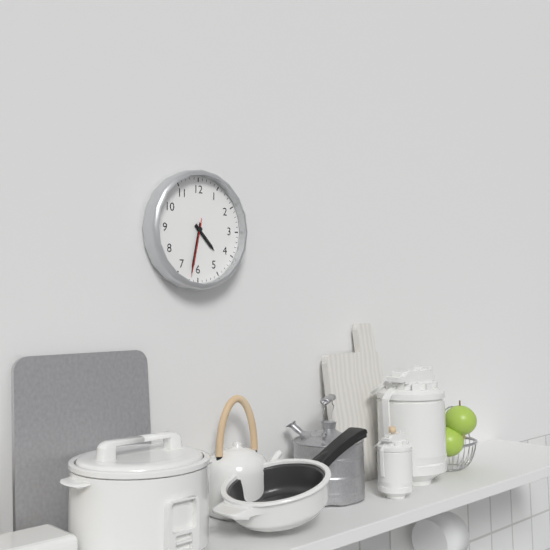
4h32m32s
